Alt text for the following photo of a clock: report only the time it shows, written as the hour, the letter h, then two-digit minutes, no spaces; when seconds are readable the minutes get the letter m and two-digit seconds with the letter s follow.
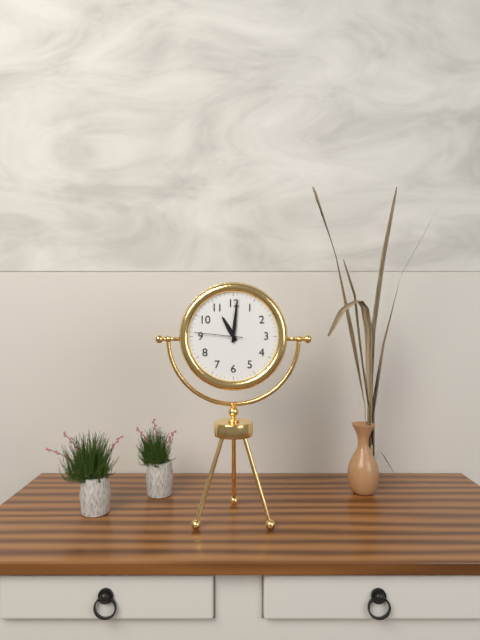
11h01
